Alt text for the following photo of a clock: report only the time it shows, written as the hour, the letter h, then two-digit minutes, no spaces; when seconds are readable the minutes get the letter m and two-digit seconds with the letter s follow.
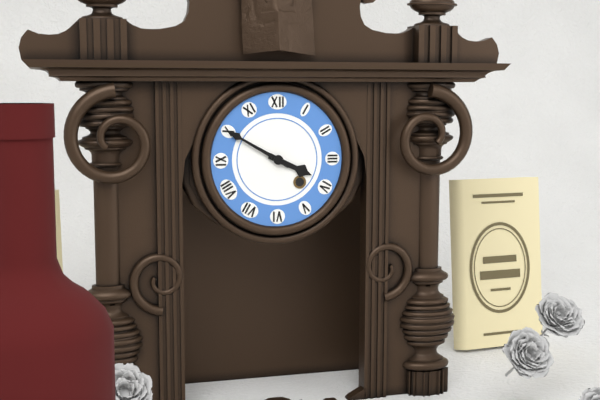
3h50
